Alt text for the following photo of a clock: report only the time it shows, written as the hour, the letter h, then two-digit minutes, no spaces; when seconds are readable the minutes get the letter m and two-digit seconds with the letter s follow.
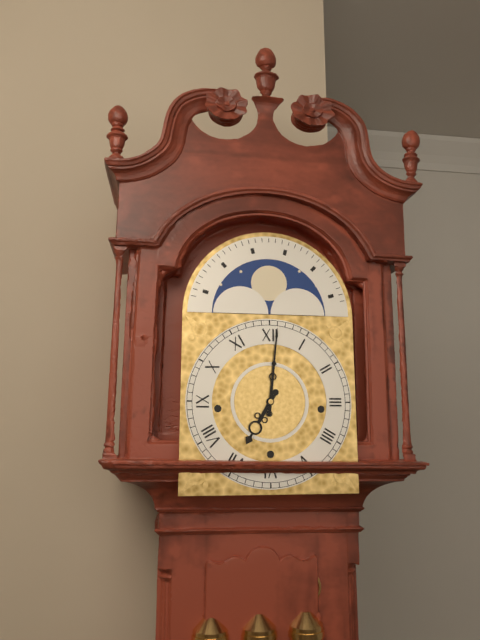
7h01
